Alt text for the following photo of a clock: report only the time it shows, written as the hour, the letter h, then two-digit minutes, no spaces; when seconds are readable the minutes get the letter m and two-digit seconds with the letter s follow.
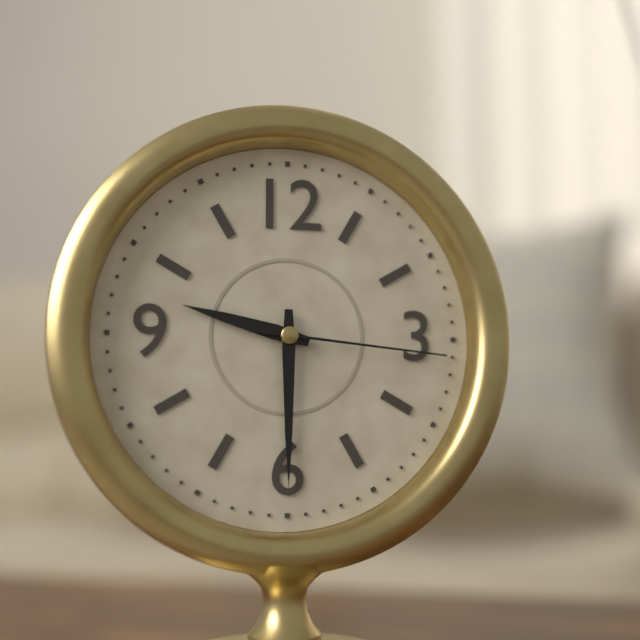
9h30m16s
